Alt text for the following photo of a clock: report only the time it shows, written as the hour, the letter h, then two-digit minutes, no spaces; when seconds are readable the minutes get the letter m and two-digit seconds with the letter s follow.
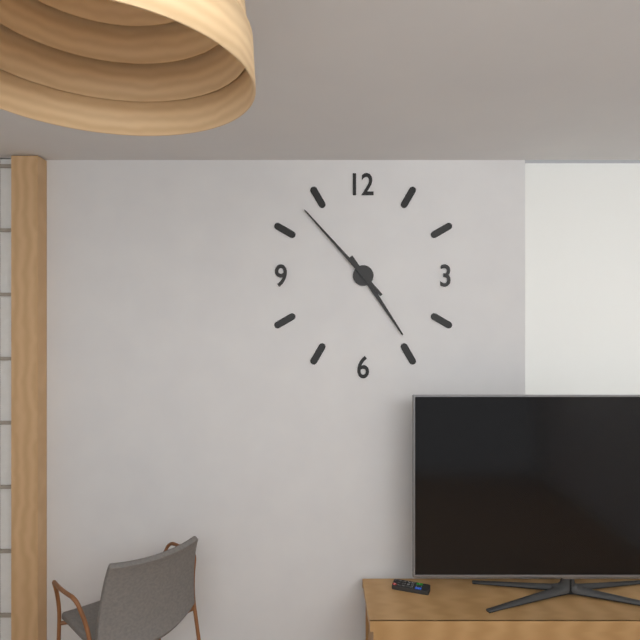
4h53
